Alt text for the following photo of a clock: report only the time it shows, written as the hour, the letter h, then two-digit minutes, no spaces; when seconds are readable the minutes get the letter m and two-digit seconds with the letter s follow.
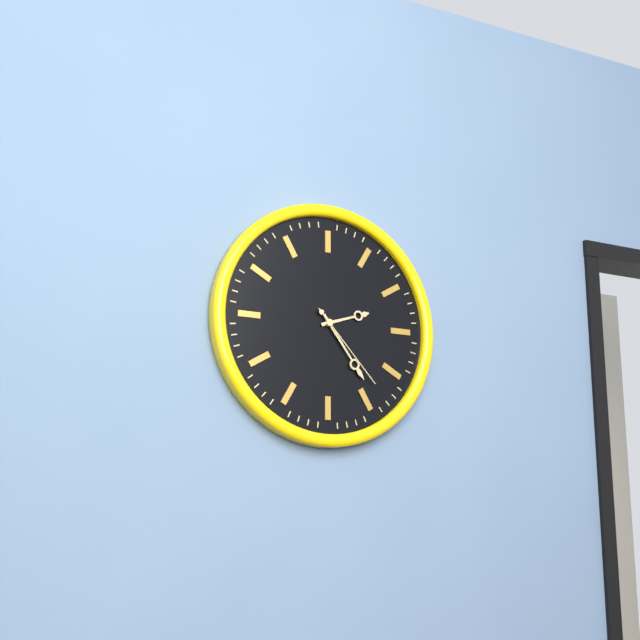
2h24m23s
